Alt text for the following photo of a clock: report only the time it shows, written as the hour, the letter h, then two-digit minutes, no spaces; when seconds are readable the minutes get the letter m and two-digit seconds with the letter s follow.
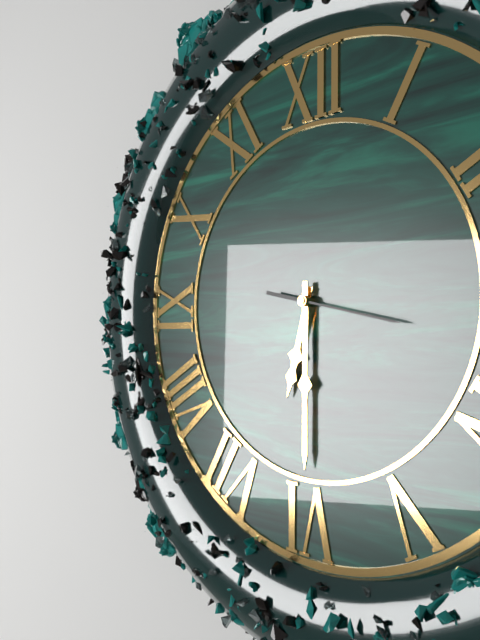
6h30m17s
